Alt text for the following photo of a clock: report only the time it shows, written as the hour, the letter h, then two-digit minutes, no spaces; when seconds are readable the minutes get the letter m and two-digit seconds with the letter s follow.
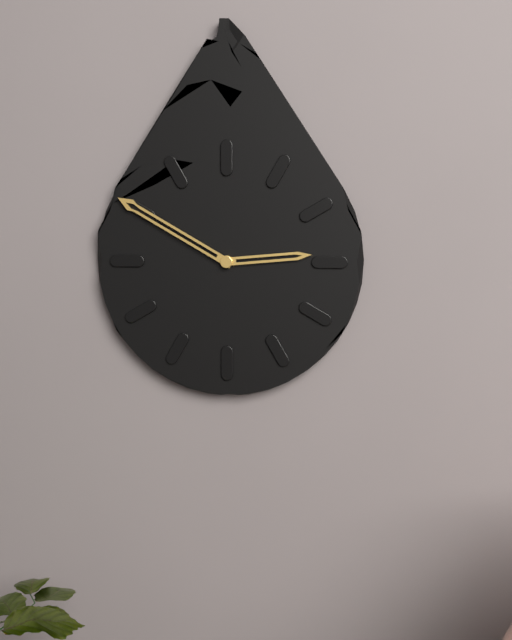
2h50
